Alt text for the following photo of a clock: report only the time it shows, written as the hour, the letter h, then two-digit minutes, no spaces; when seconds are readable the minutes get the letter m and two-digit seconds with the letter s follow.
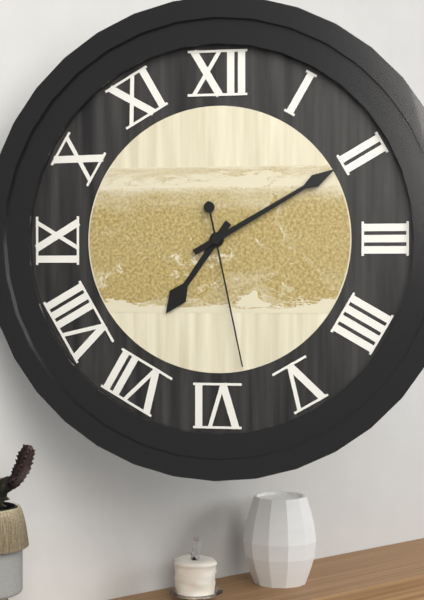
7h10m28s
